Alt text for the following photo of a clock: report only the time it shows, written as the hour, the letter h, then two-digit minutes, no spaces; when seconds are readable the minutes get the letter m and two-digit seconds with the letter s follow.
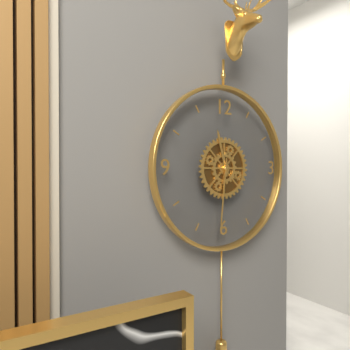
11h31
